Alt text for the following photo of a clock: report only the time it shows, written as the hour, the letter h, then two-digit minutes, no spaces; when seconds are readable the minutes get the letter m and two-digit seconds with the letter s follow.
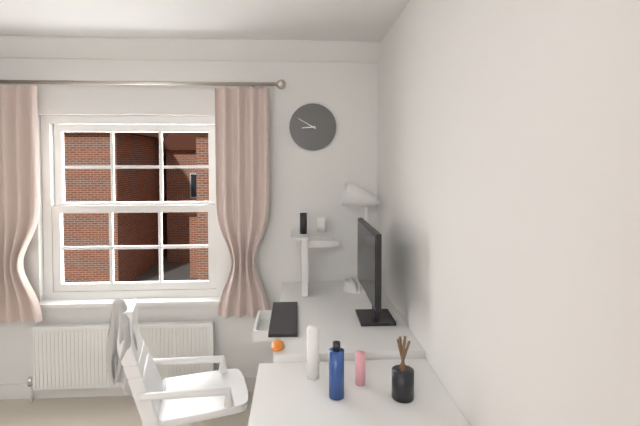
8h50
